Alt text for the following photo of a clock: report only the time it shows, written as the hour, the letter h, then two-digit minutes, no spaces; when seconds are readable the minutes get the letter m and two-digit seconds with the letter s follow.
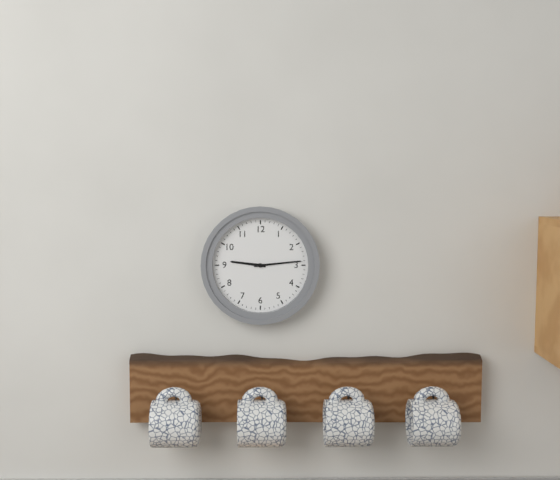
9h14
